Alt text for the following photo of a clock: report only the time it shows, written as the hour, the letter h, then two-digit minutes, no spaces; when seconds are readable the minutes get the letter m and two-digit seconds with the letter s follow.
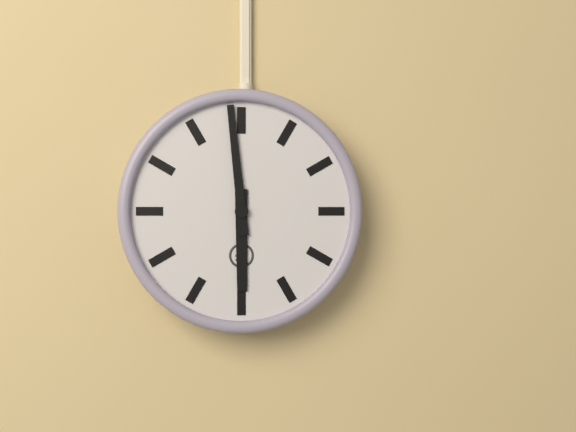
5h59
